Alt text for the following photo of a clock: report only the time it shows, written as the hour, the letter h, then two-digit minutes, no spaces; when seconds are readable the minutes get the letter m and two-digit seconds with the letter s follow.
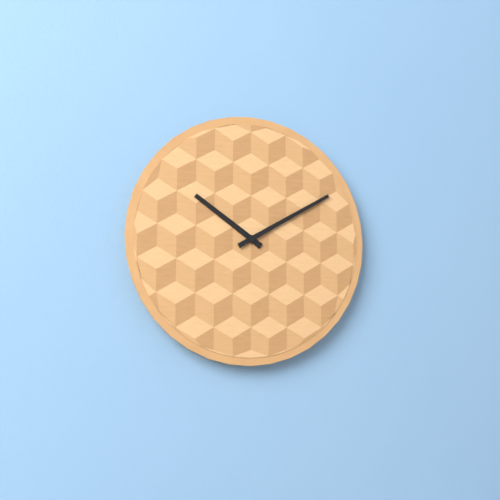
10h10
